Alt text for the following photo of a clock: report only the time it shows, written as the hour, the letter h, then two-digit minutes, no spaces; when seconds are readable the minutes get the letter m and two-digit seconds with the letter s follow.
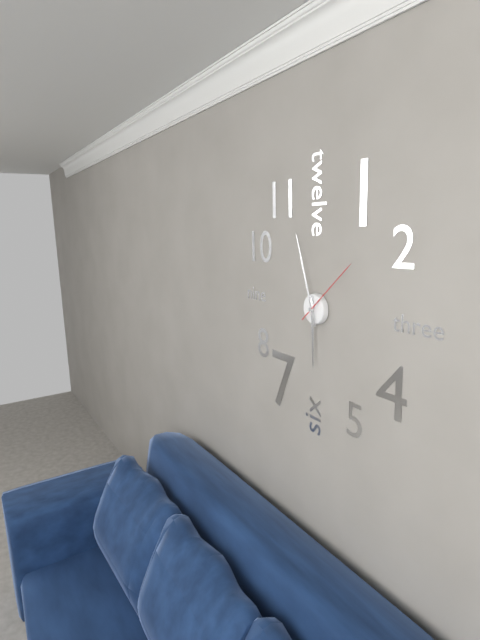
5h57m08s
